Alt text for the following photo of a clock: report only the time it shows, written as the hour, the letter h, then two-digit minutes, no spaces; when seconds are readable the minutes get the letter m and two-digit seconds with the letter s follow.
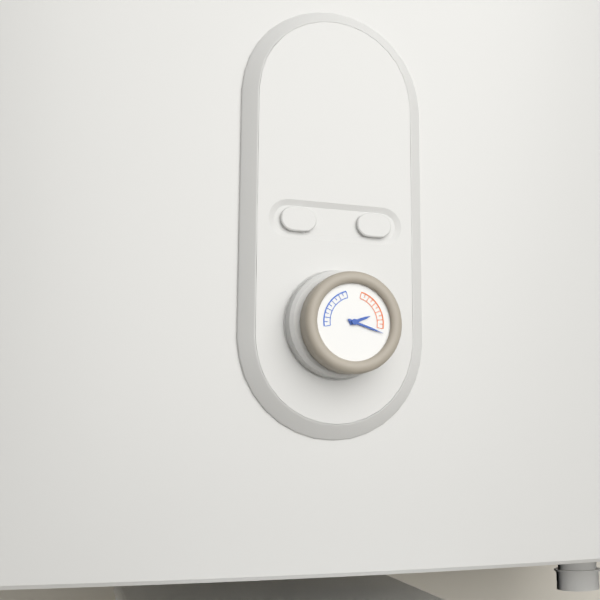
2h18
